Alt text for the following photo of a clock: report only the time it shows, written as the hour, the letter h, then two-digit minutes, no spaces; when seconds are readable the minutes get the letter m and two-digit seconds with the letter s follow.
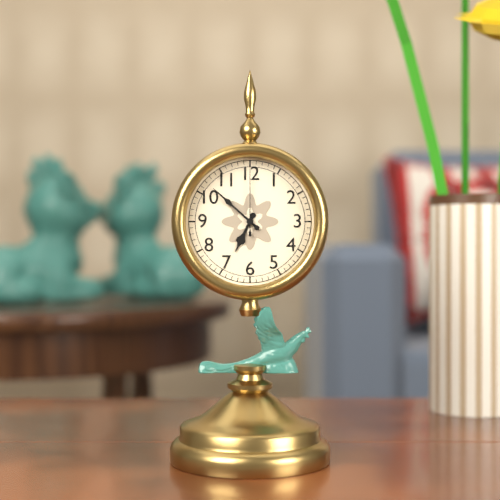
6h52m00s
